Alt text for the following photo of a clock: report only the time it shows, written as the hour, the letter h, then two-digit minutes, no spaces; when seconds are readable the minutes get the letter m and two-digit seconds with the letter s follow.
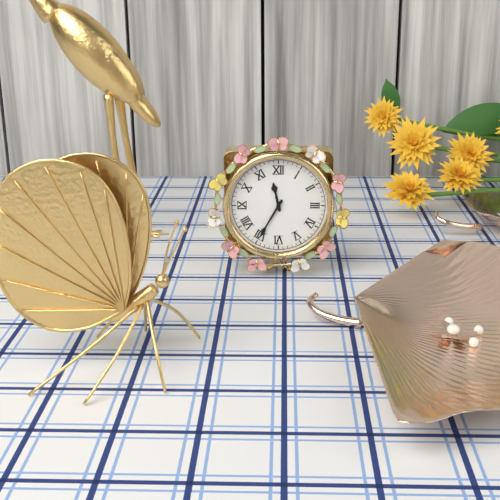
11h35
